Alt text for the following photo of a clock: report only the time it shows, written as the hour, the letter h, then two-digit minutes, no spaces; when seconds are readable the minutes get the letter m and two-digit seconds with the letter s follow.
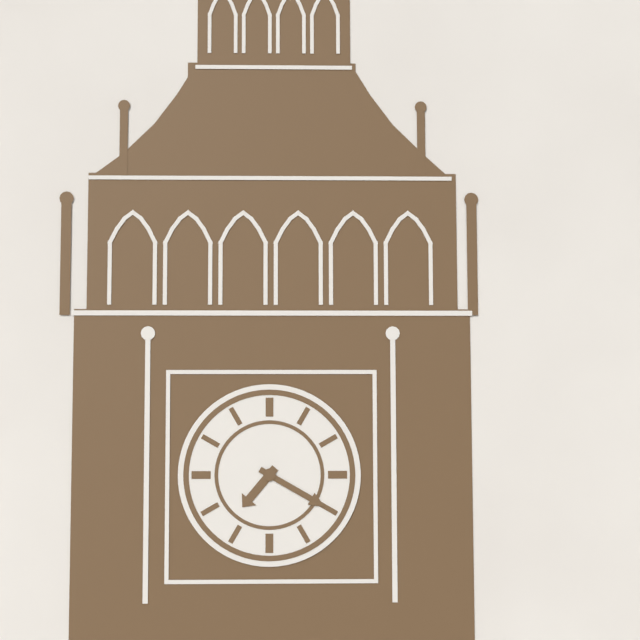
7h20
